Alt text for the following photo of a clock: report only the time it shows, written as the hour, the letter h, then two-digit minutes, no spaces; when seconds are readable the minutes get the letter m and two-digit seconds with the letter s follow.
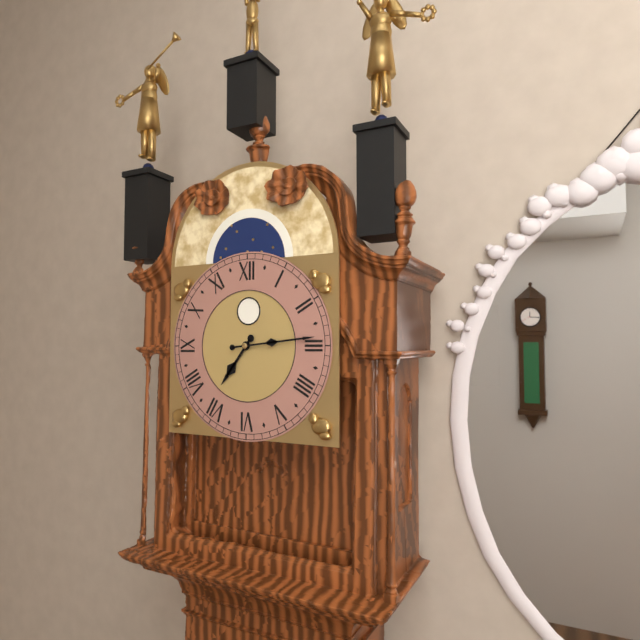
7h14
